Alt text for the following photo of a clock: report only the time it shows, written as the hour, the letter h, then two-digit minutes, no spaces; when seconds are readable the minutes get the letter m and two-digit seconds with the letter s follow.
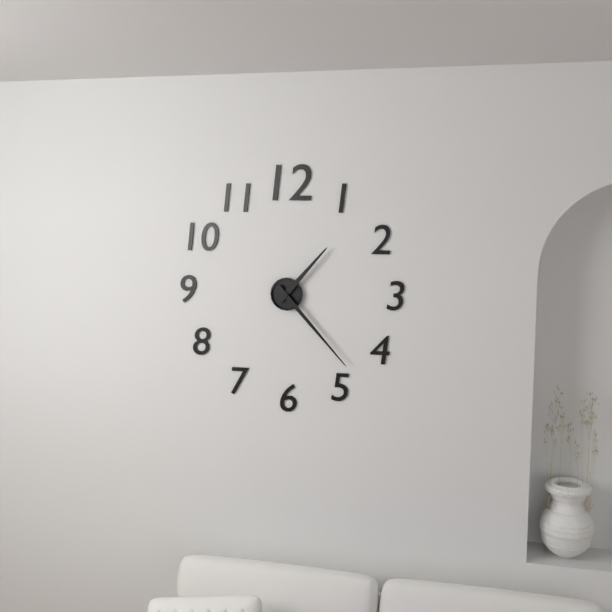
1h23
